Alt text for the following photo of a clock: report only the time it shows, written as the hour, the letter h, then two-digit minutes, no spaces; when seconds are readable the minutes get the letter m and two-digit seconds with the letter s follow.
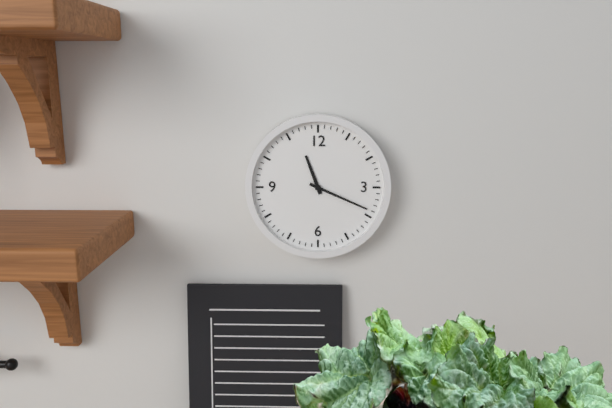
11h19
